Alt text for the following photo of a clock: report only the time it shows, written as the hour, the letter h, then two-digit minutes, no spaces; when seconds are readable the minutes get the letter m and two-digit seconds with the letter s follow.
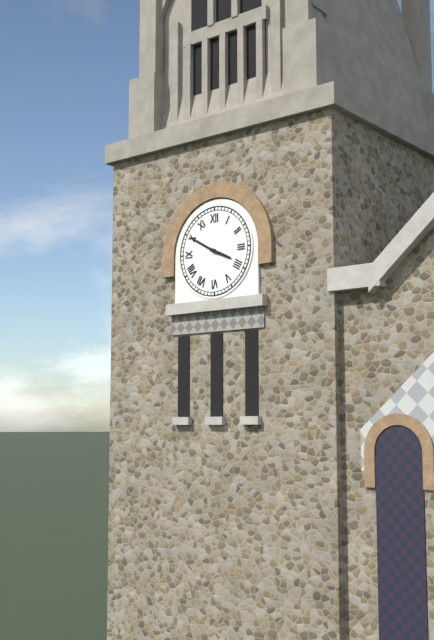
3h50
